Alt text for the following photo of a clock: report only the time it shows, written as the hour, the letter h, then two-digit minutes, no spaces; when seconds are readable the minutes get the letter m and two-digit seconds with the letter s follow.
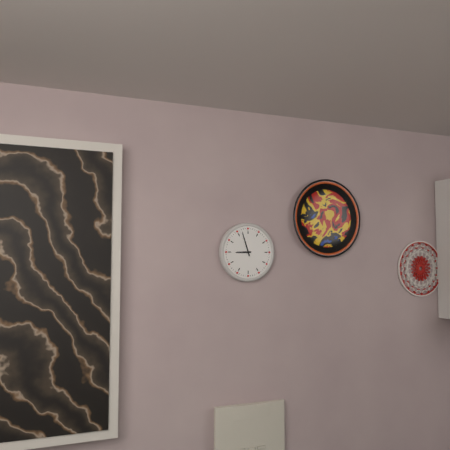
8h57
